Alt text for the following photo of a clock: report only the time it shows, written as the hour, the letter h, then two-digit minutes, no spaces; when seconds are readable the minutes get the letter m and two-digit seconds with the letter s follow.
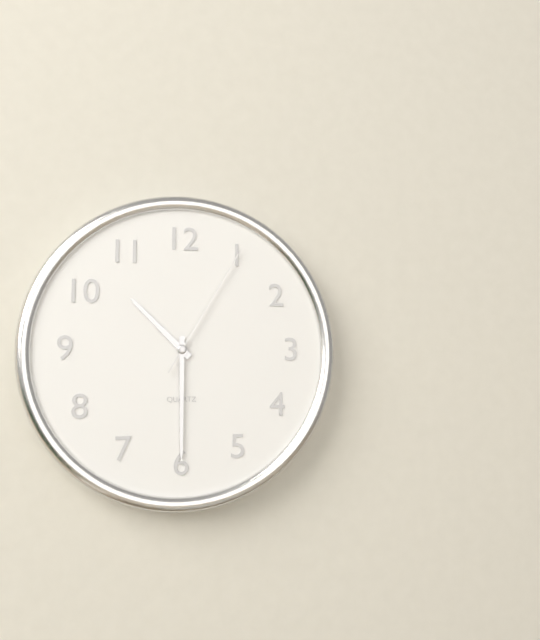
10h30m05s
